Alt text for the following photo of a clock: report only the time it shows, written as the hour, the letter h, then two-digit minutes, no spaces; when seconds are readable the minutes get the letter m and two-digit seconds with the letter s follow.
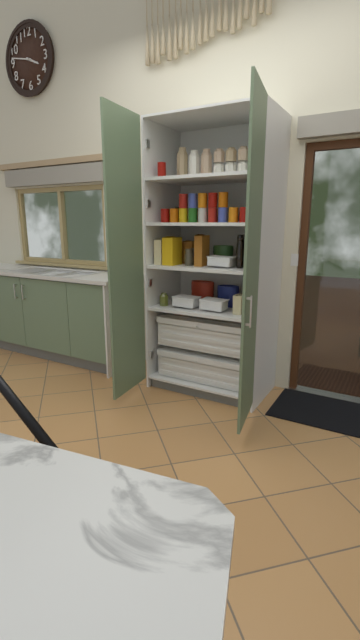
3h47
